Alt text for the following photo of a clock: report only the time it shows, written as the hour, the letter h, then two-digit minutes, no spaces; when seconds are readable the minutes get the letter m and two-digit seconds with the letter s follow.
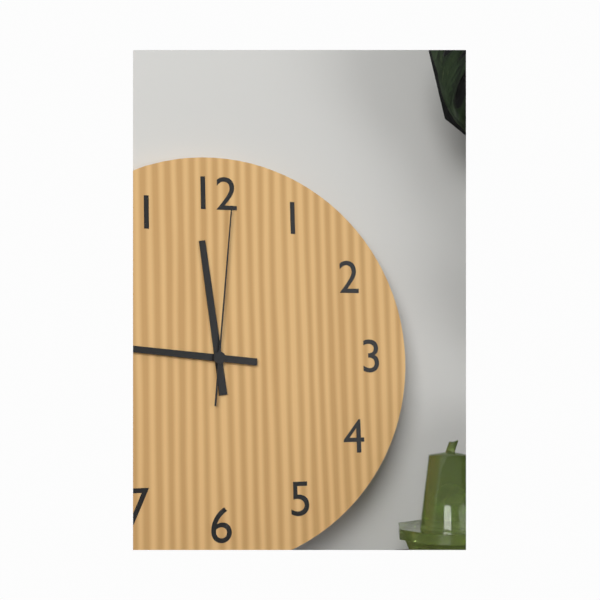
11h46m01s
